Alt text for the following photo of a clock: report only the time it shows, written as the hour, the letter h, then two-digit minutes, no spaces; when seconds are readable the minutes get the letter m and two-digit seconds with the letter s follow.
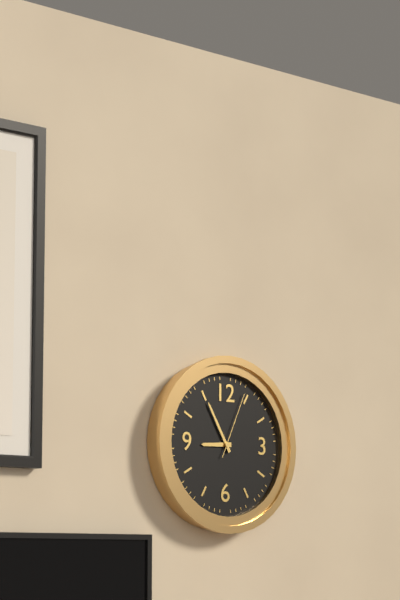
8h55m04s
